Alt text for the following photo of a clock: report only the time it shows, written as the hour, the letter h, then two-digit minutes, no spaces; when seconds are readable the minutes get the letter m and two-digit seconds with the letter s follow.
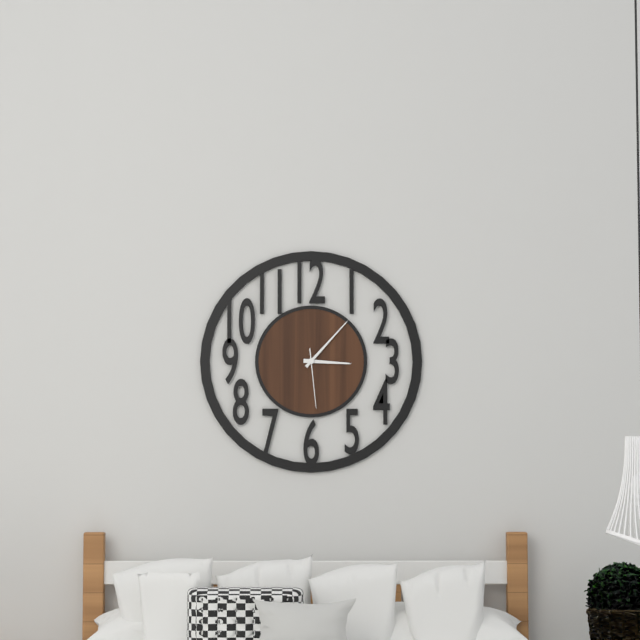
3h07m29s
